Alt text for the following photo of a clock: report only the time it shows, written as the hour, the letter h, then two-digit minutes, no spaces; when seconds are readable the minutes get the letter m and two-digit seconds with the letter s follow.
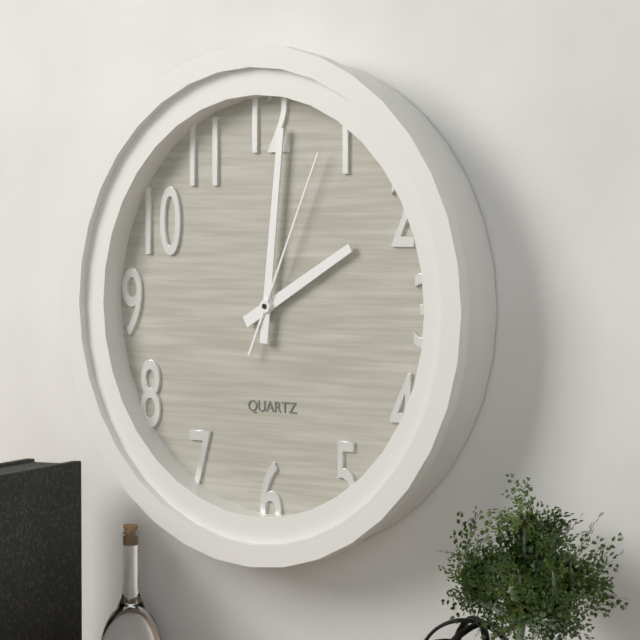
2h01m04s
